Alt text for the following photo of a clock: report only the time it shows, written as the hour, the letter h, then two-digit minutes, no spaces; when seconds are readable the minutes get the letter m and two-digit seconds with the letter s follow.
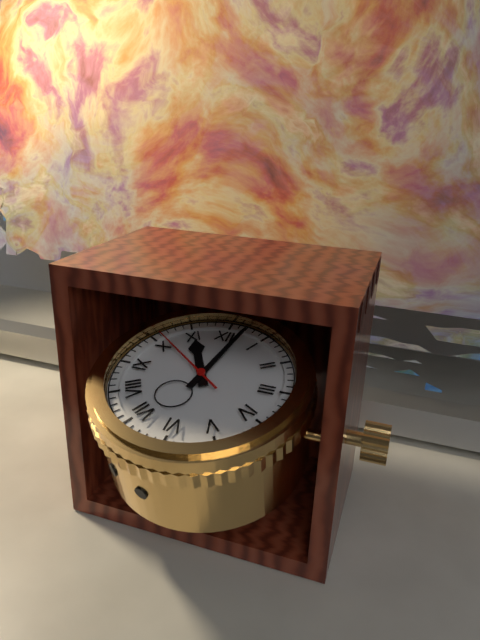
11h02m51s
